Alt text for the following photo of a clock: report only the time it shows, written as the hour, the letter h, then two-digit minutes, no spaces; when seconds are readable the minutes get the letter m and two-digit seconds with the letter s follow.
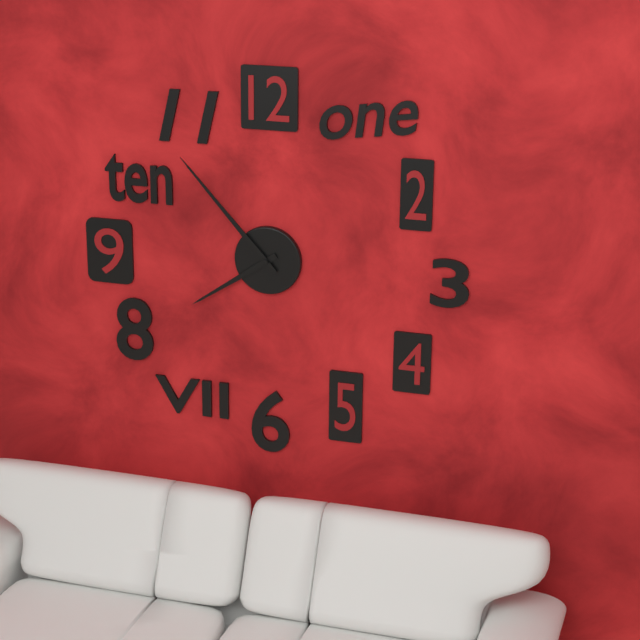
7h53
